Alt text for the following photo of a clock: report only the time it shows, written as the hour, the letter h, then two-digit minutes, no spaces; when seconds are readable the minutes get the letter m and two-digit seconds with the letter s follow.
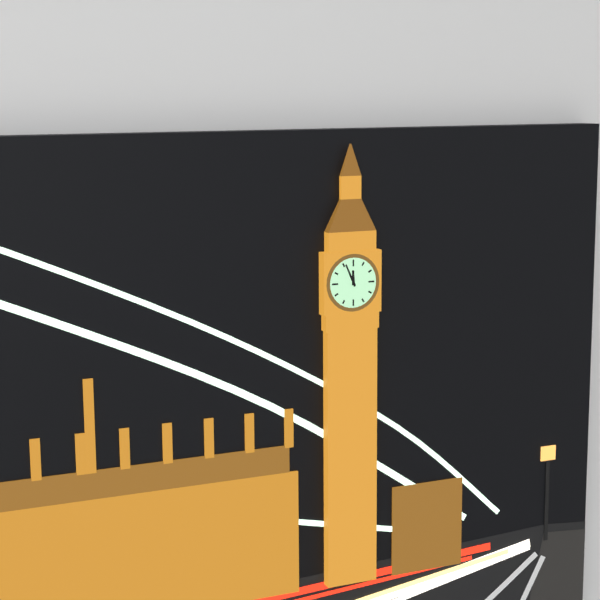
11h56
